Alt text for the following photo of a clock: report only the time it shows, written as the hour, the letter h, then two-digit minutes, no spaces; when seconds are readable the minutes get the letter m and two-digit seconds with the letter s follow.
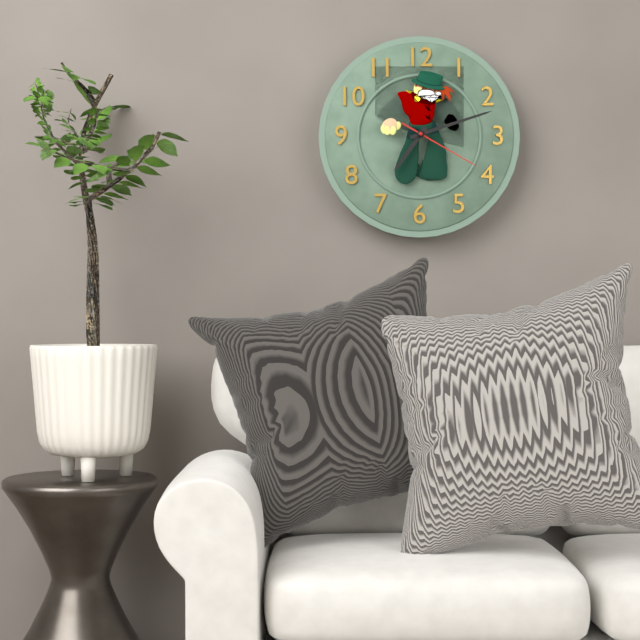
7h12m20s
